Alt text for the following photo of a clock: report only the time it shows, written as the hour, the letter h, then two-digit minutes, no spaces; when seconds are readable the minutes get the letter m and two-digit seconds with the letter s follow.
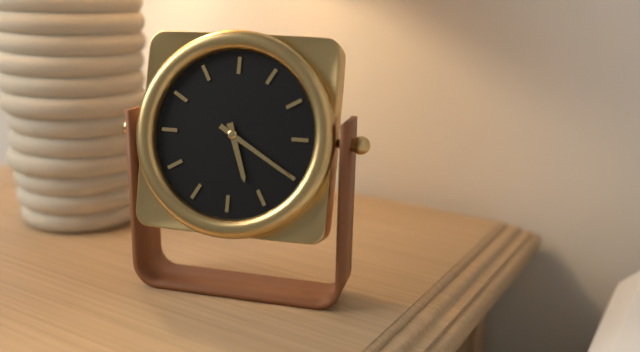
5h20
